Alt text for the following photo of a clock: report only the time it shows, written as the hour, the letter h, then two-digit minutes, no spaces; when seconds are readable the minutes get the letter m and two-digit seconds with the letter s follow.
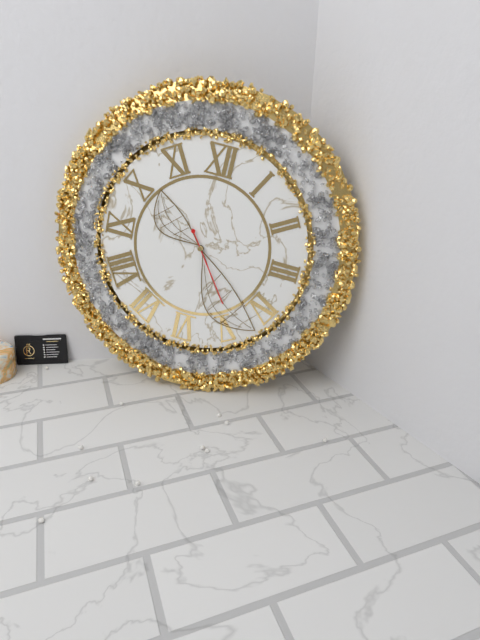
10h22m24s
